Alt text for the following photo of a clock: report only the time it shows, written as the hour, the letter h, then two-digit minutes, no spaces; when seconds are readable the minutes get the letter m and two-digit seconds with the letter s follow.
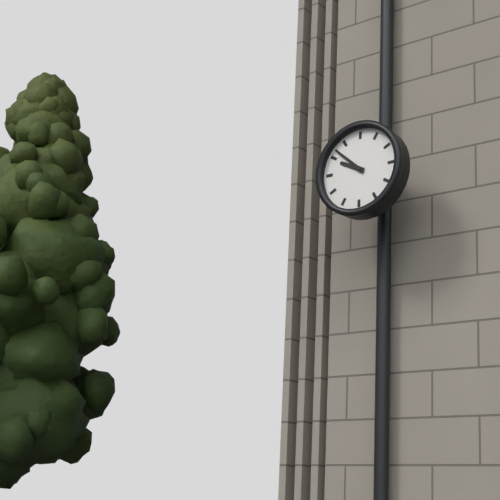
9h52
